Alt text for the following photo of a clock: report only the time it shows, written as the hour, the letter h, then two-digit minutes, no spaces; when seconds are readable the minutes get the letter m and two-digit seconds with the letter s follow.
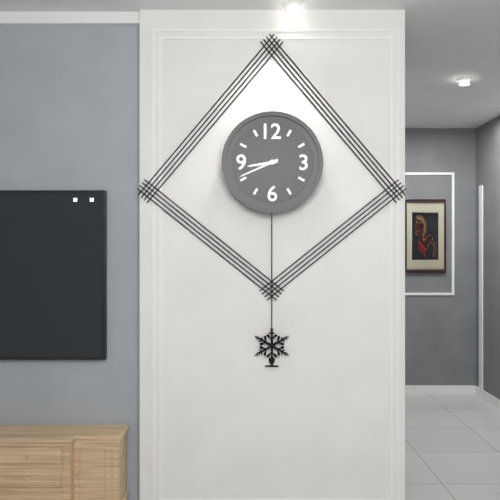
8h41
